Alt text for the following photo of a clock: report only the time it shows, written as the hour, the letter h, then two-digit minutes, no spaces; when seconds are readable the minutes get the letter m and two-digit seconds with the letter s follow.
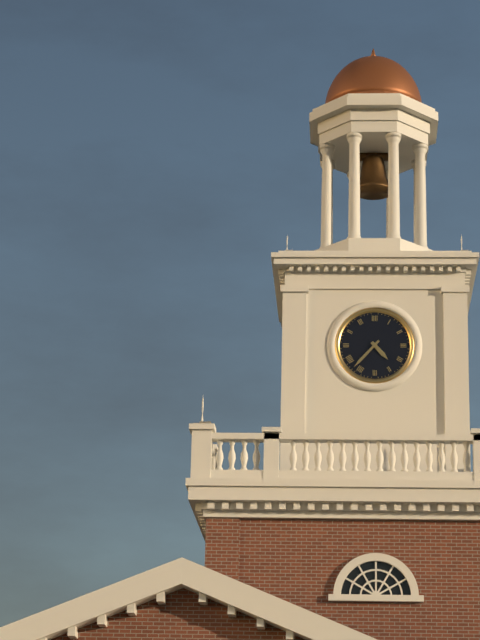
4h37
